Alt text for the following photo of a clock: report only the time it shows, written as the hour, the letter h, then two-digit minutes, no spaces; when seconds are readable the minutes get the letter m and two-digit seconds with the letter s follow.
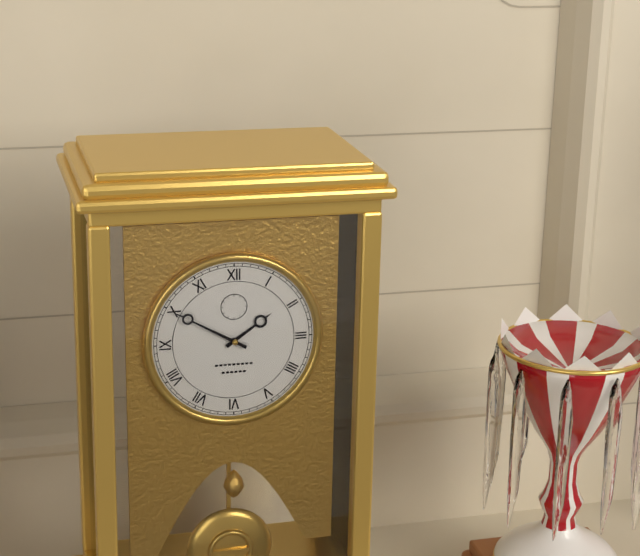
1h50
